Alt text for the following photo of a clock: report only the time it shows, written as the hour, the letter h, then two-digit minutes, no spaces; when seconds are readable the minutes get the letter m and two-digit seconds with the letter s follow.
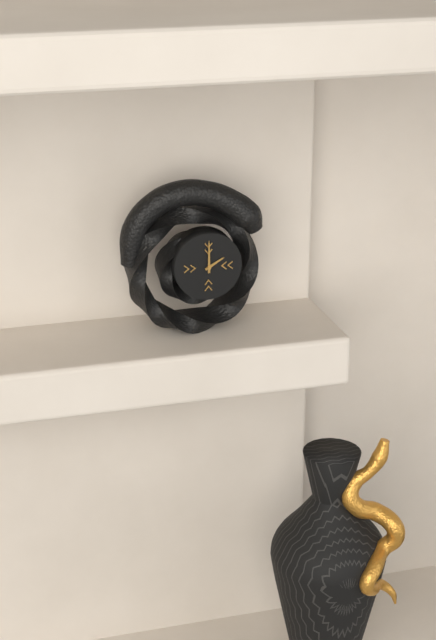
2h00
